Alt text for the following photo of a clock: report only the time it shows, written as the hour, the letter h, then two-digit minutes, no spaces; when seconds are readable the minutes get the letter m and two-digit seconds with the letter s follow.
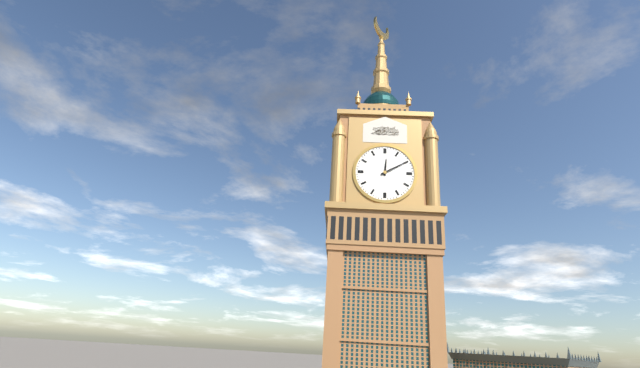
12h10
